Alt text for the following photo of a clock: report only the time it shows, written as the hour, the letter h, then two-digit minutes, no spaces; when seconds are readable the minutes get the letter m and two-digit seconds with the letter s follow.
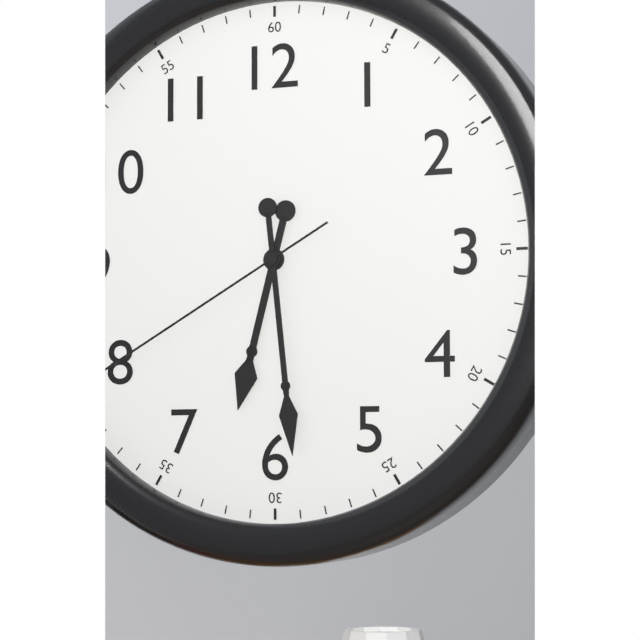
6h29m40s
